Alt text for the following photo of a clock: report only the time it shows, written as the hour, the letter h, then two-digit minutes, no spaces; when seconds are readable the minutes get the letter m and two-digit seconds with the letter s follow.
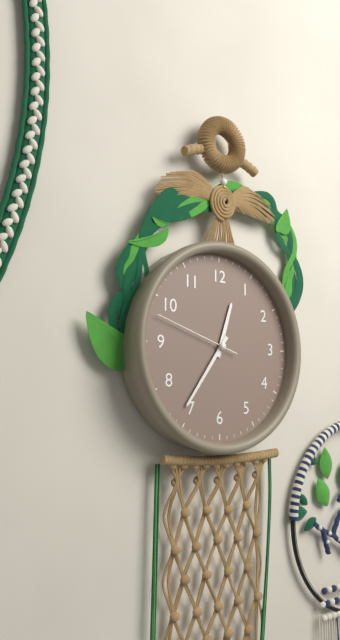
12h36m48s
